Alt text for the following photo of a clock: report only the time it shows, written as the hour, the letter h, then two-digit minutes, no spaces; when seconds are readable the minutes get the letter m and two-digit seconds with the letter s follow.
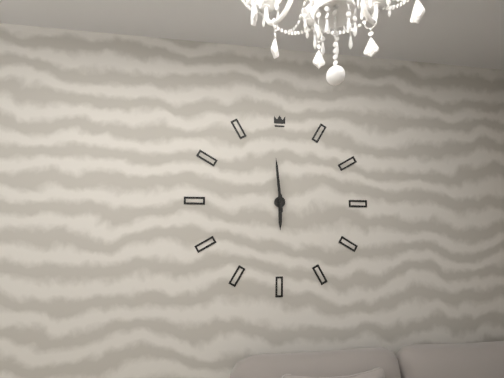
5h59
